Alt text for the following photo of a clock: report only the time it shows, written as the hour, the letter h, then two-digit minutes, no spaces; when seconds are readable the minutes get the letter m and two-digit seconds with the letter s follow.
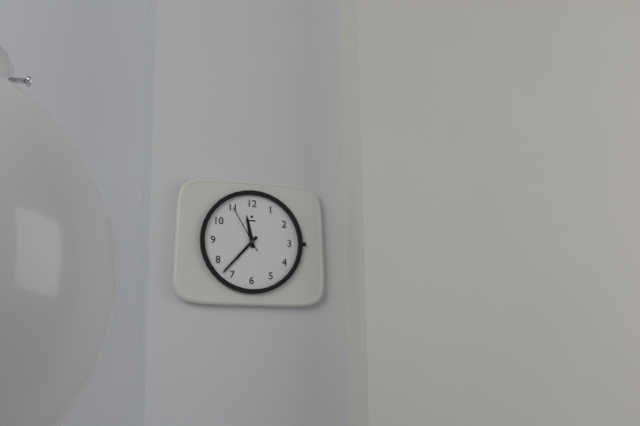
11h37
